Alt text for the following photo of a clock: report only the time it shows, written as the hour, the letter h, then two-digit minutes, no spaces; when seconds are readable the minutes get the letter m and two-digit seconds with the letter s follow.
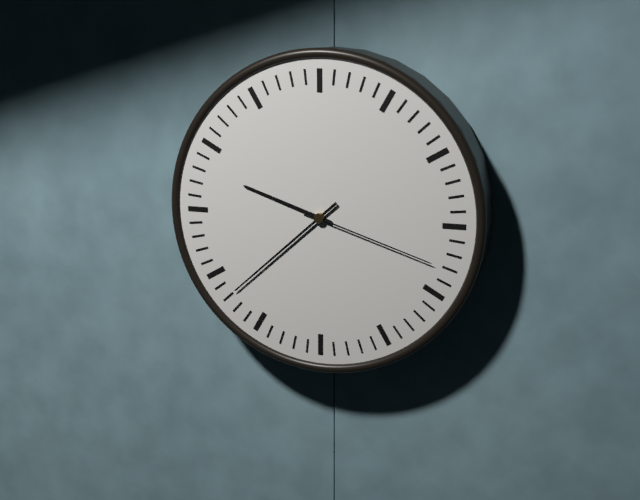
9h38m18s
